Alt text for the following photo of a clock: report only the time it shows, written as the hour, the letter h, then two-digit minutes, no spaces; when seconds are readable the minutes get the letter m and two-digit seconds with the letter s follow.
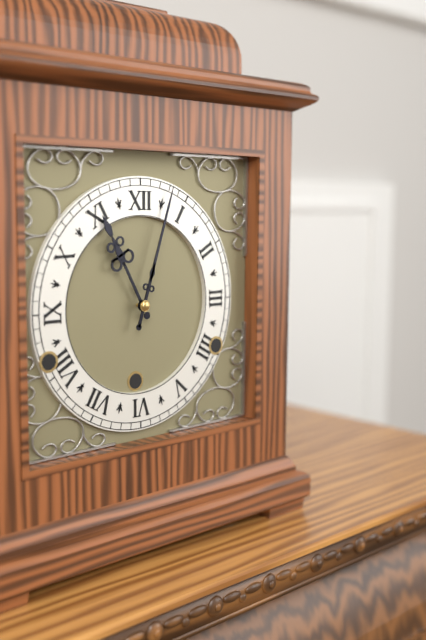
11h03
